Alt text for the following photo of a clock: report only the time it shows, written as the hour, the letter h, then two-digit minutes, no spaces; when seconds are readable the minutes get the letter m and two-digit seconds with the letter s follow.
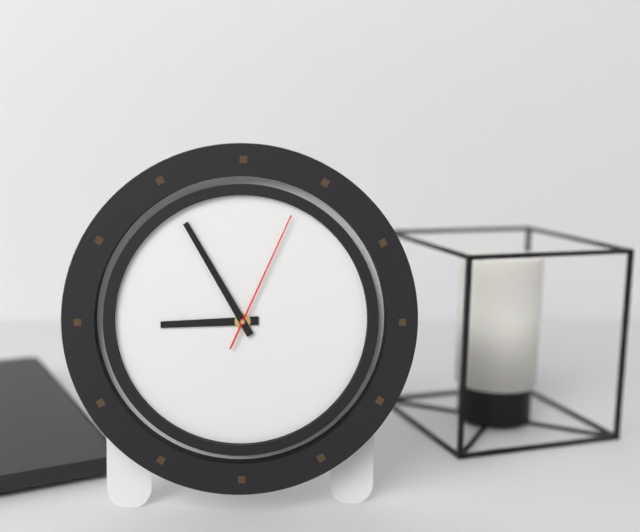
8h55m04s
